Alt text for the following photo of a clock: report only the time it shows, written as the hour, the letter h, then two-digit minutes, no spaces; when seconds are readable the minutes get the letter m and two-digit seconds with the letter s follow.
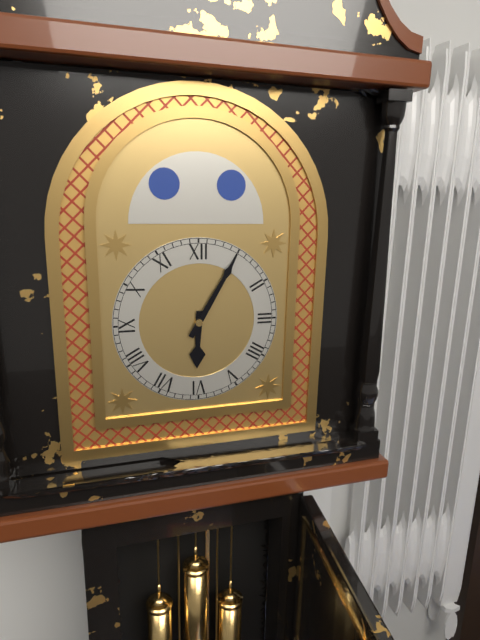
6h05
